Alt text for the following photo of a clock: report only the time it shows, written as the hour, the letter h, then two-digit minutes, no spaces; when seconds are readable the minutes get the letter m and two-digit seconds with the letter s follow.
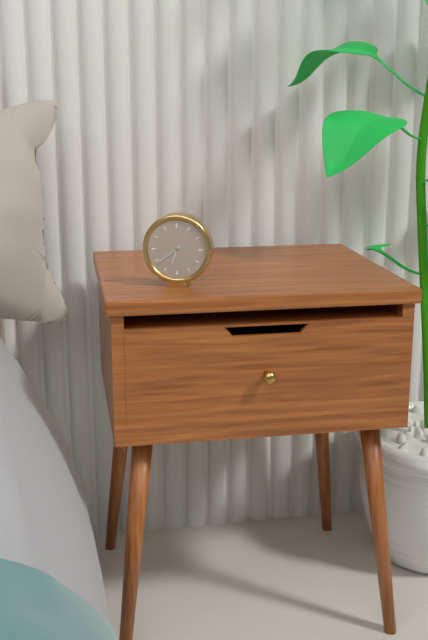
6h39
